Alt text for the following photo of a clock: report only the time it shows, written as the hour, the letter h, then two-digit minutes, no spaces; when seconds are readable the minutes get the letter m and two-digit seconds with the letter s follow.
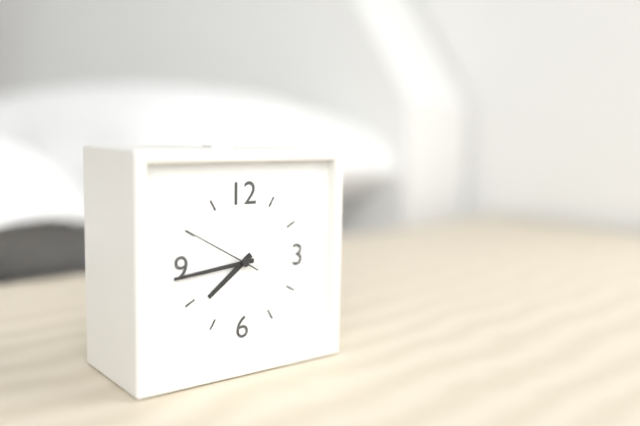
7h44m50s
